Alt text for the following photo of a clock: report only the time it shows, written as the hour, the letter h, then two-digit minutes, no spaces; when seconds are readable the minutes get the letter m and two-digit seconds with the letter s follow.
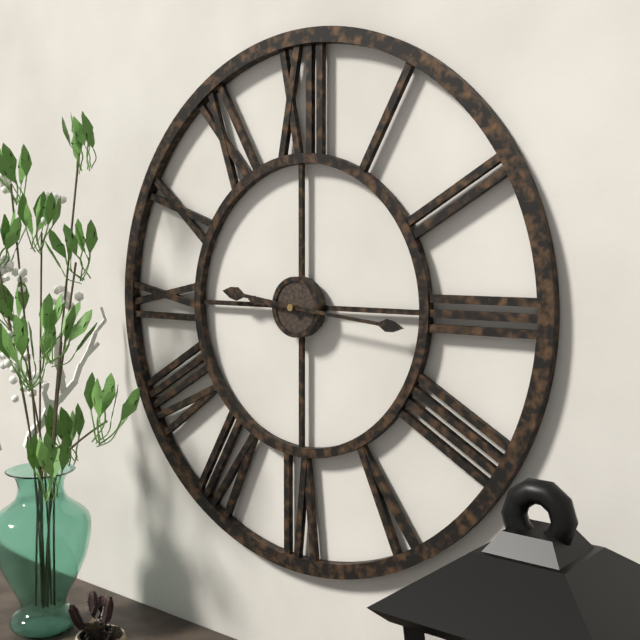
9h16
